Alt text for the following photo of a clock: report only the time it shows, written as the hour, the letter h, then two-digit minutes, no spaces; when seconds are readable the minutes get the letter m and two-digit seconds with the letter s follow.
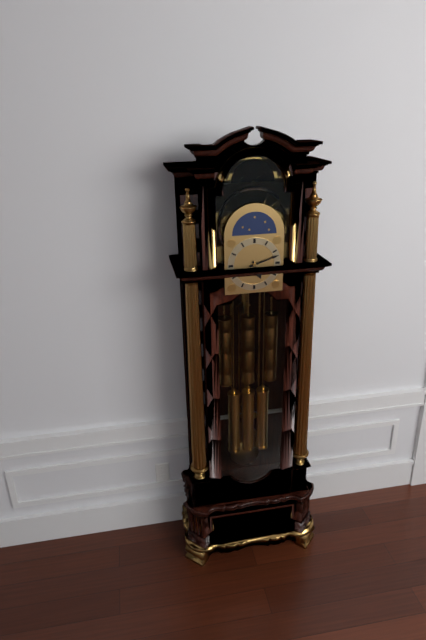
5h12
